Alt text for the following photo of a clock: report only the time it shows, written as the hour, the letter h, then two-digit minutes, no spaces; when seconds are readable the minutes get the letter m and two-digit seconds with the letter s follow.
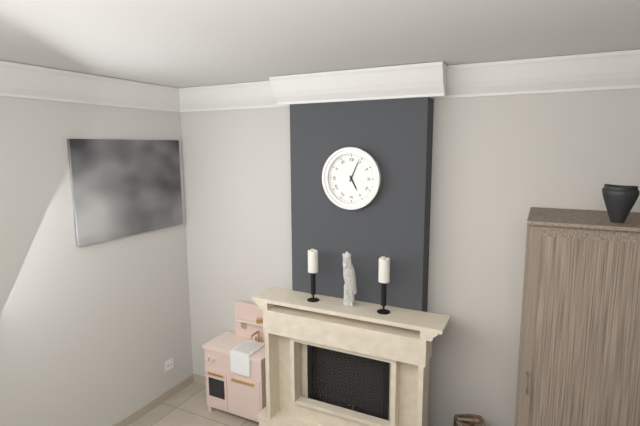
5h04
